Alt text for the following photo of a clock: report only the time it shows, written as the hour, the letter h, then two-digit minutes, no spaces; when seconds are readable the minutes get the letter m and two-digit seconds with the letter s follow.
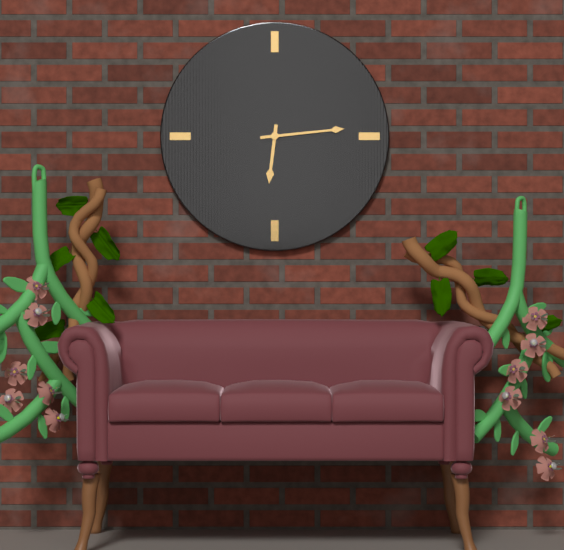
6h14
